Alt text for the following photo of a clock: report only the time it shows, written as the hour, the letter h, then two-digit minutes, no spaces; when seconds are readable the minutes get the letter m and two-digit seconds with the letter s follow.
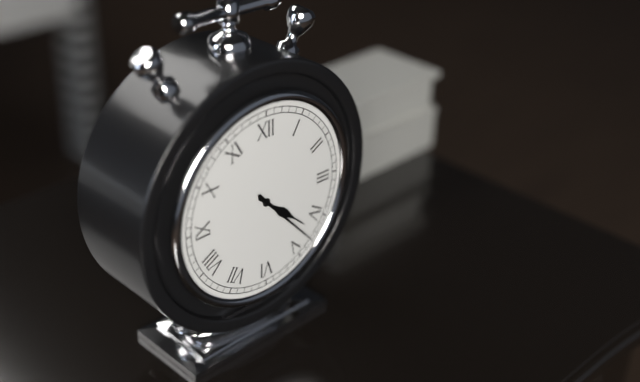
4h23
